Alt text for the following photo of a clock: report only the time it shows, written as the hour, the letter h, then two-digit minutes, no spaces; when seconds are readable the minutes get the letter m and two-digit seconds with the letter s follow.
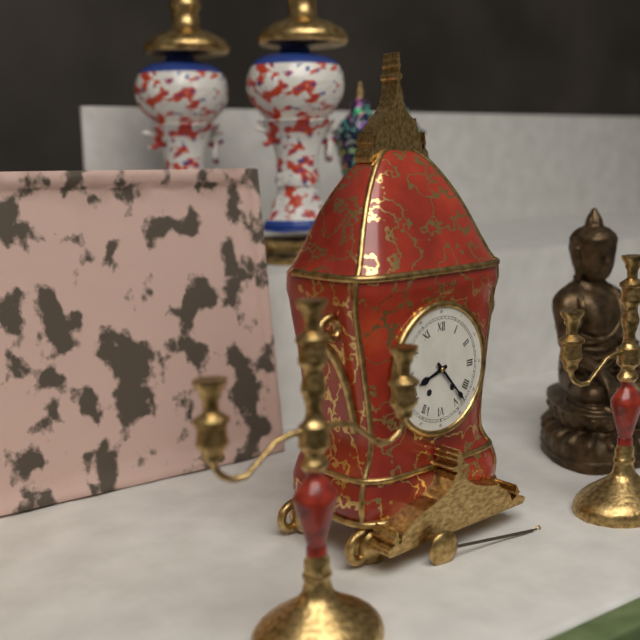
8h23
